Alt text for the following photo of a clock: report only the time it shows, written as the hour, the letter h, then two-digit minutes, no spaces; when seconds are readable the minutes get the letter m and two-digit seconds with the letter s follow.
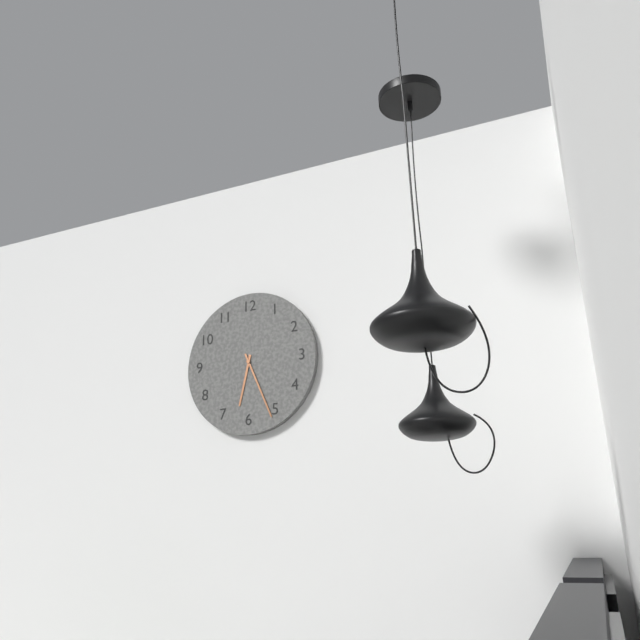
6h26
